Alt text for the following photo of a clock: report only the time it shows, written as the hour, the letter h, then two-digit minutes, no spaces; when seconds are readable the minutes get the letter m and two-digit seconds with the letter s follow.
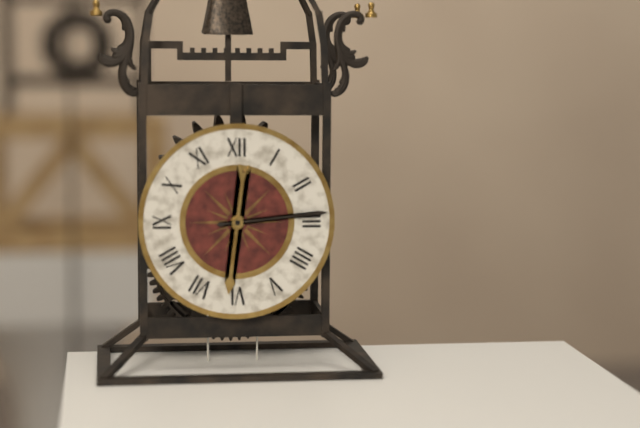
6h14
